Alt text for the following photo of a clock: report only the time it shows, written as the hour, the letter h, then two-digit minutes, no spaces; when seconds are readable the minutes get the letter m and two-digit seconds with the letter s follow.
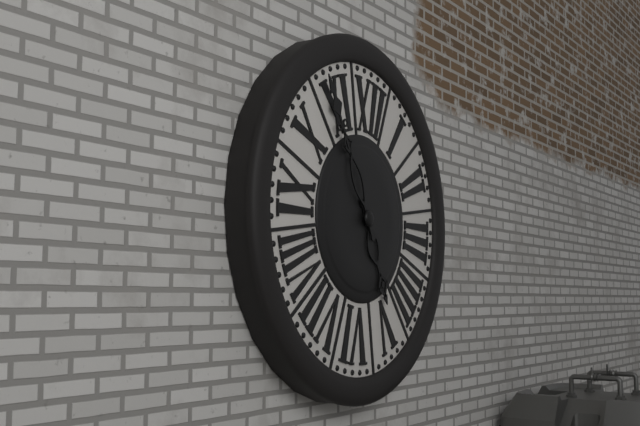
4h54
